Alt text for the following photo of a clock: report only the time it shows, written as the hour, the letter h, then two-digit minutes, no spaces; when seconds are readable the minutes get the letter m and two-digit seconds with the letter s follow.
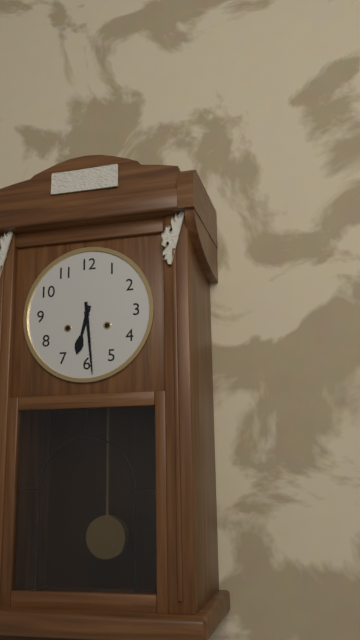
6h29
